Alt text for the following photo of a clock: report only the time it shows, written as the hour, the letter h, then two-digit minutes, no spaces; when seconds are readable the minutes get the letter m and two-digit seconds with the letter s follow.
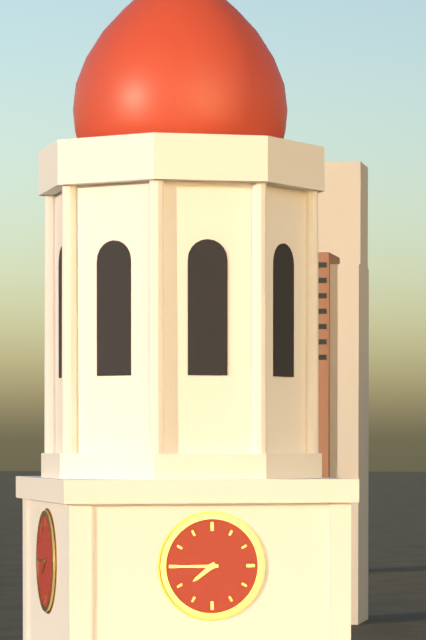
7h45
